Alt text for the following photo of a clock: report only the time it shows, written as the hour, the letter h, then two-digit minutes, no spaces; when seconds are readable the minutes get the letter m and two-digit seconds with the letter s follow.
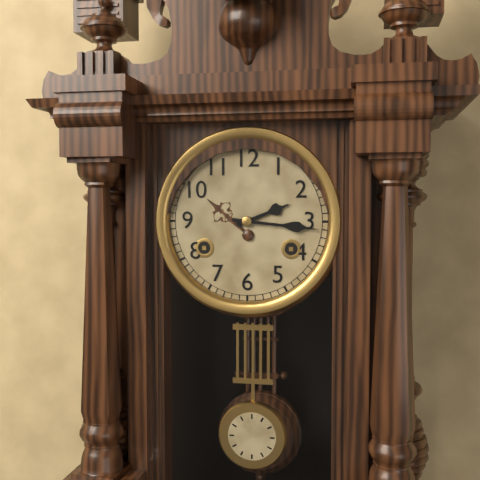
2h16
